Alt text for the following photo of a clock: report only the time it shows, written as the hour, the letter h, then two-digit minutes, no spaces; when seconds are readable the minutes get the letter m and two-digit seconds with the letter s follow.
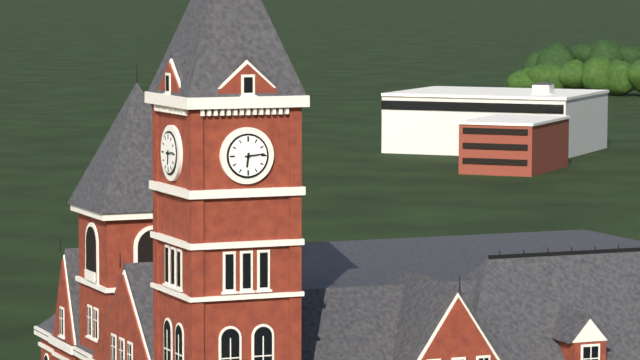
6h14
